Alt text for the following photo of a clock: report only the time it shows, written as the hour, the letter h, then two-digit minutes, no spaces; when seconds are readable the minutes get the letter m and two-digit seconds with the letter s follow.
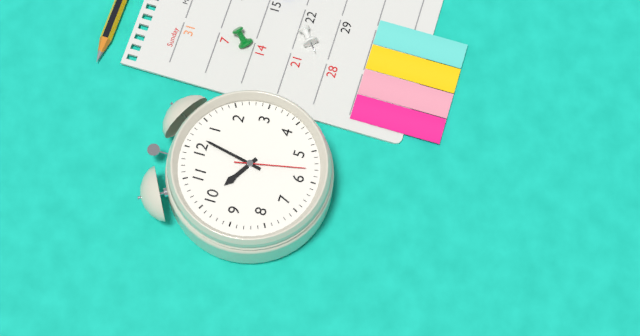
10h02m28s
